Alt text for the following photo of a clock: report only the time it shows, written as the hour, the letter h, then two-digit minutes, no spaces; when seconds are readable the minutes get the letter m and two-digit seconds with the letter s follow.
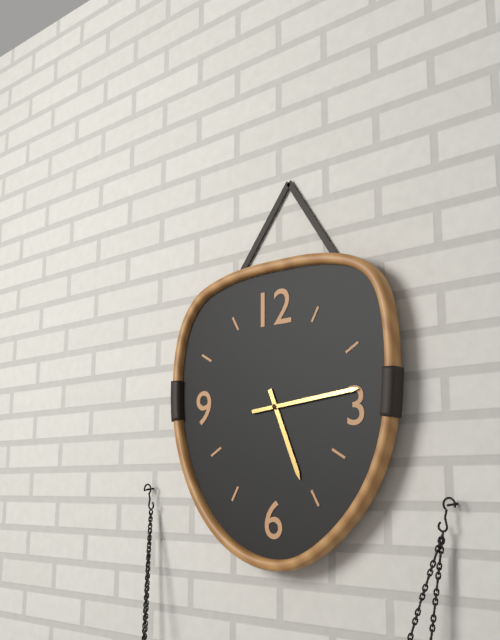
5h14
